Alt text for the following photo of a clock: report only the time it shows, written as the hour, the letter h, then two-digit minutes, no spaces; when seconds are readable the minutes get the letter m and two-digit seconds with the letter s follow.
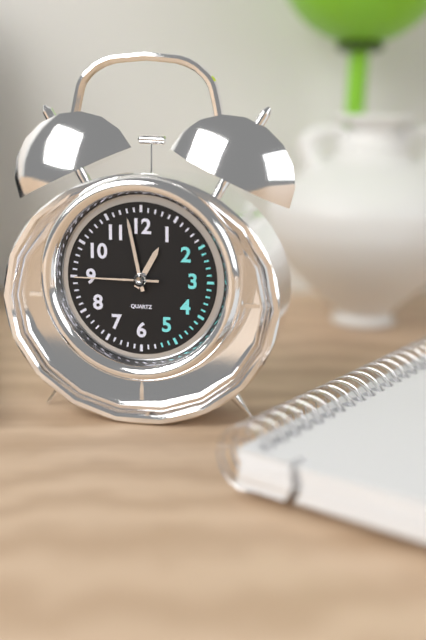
12h58m45s
